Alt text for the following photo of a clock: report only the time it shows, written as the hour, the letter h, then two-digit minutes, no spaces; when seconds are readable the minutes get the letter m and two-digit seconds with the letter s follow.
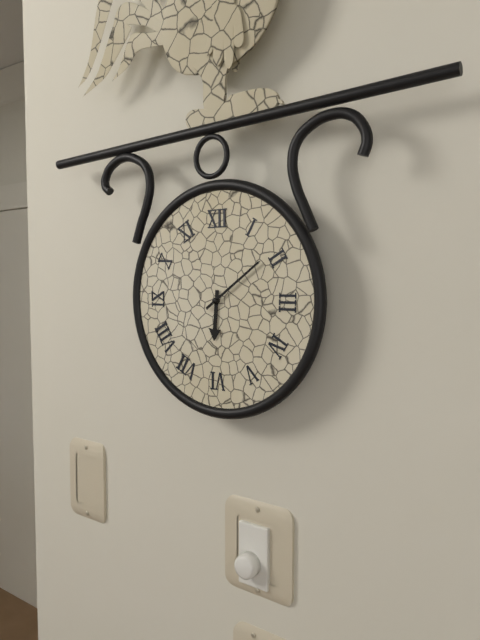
6h09
